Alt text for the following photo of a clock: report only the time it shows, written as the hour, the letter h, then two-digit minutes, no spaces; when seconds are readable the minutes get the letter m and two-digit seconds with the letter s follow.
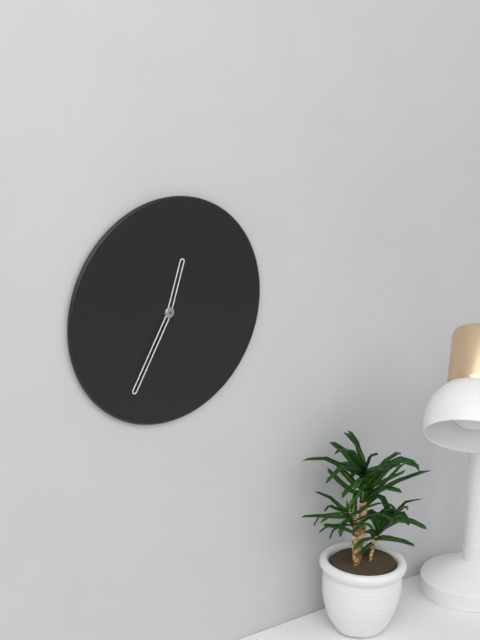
12h35
